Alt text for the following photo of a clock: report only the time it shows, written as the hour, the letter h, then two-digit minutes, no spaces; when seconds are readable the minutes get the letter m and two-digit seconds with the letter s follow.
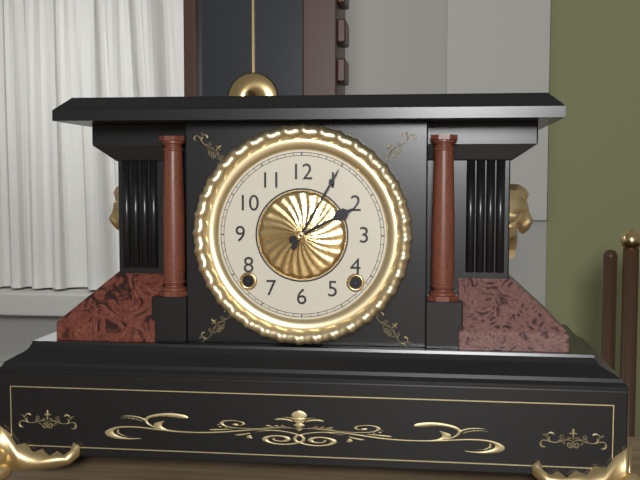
2h05
